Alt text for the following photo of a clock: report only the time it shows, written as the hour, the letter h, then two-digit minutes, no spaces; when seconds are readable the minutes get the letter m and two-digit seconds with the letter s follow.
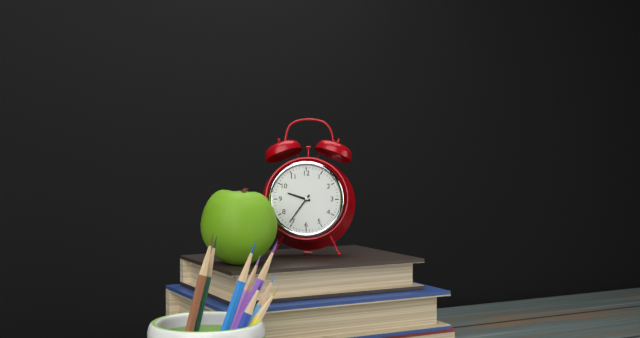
9h36
